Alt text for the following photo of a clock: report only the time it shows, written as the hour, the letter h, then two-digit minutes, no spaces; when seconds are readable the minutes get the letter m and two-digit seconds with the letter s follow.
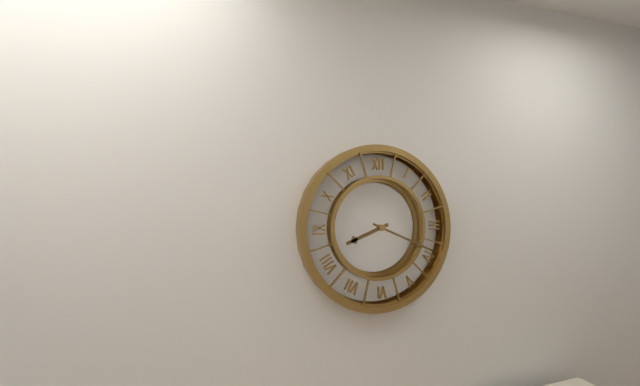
8h19
